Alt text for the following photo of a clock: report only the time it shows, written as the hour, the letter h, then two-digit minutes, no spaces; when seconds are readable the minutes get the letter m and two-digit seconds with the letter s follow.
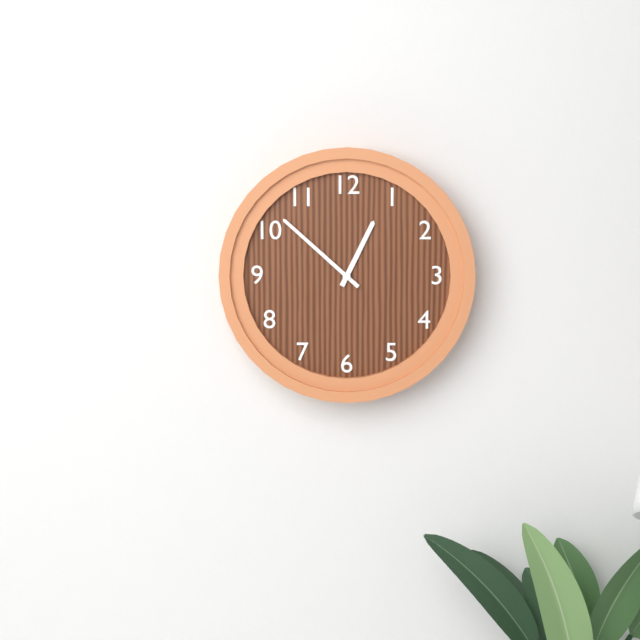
12h52
